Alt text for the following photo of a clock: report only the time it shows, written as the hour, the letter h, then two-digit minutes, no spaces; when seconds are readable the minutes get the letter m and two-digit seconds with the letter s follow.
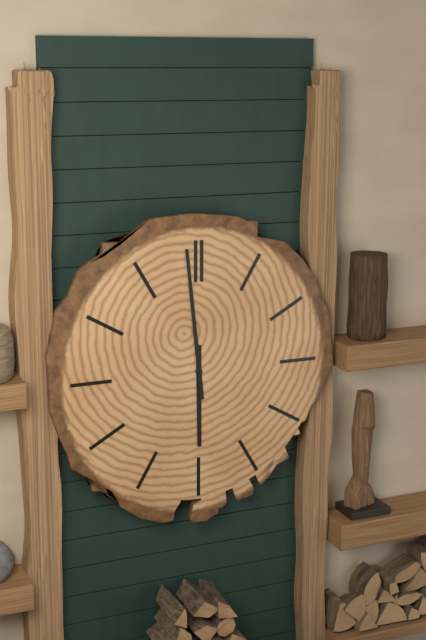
5h59
